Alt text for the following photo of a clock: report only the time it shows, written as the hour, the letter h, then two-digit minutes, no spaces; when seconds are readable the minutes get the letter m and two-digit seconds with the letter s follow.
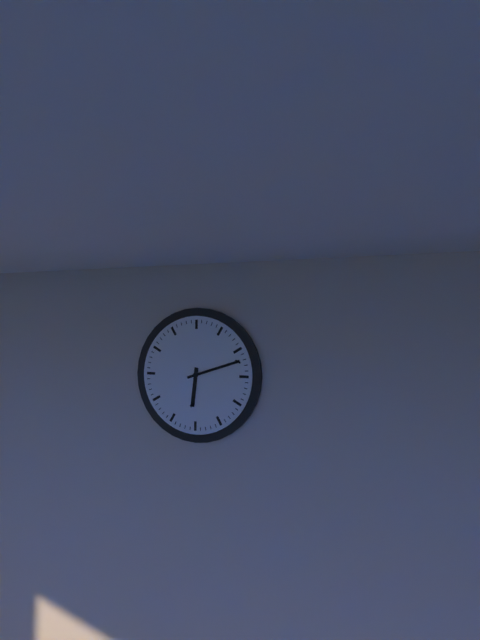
6h12
